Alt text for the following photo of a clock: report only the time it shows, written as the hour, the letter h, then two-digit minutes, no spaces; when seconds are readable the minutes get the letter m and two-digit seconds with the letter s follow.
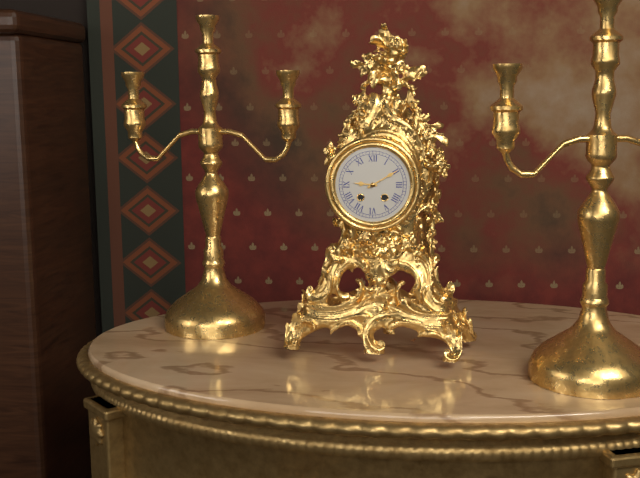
9h10
